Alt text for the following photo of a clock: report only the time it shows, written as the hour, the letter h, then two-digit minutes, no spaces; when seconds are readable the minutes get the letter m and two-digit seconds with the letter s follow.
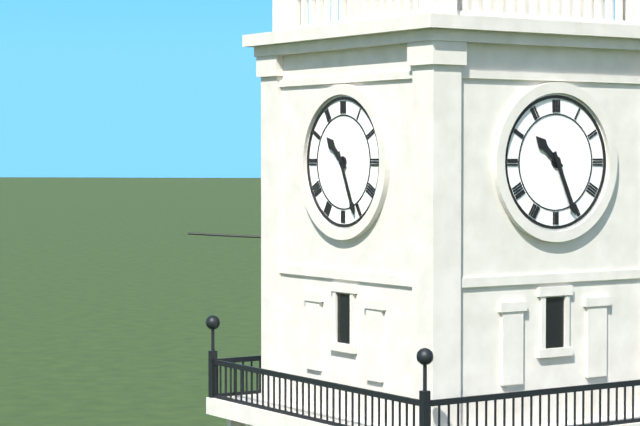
10h26
